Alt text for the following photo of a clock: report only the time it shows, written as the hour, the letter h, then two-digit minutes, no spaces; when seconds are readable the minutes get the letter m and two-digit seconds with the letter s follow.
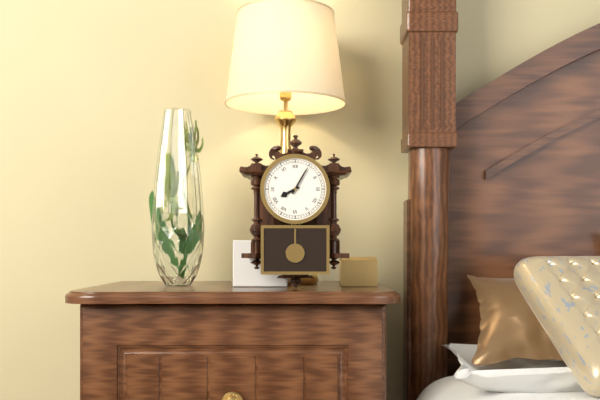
8h05
